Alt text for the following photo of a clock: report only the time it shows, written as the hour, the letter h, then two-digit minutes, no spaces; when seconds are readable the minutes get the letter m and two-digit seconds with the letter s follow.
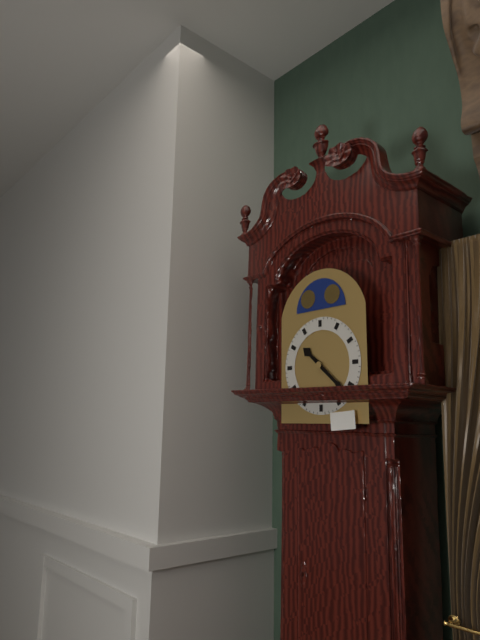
10h22
